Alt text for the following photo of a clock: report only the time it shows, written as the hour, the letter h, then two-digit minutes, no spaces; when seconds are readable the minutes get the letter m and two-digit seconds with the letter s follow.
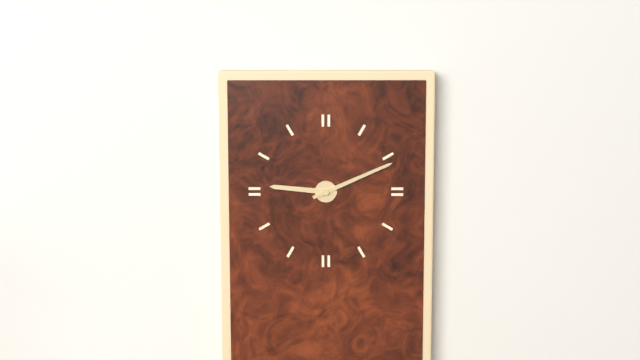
9h11
